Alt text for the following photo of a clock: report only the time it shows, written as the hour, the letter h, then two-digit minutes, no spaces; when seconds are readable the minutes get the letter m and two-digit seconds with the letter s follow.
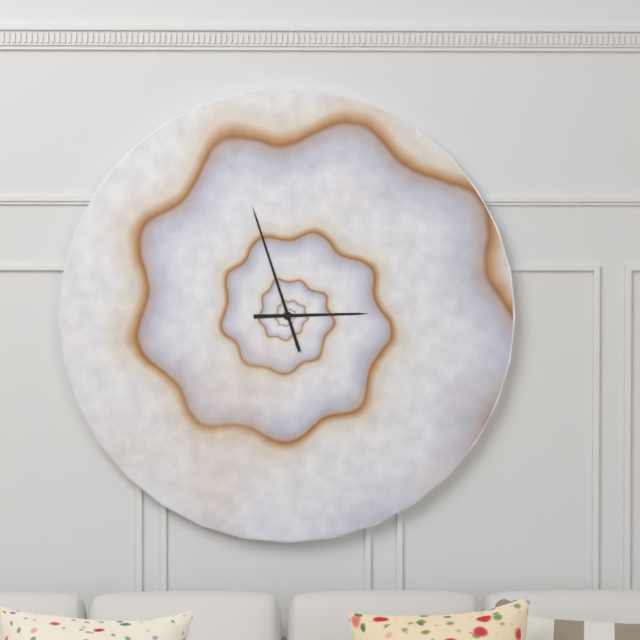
2h57
